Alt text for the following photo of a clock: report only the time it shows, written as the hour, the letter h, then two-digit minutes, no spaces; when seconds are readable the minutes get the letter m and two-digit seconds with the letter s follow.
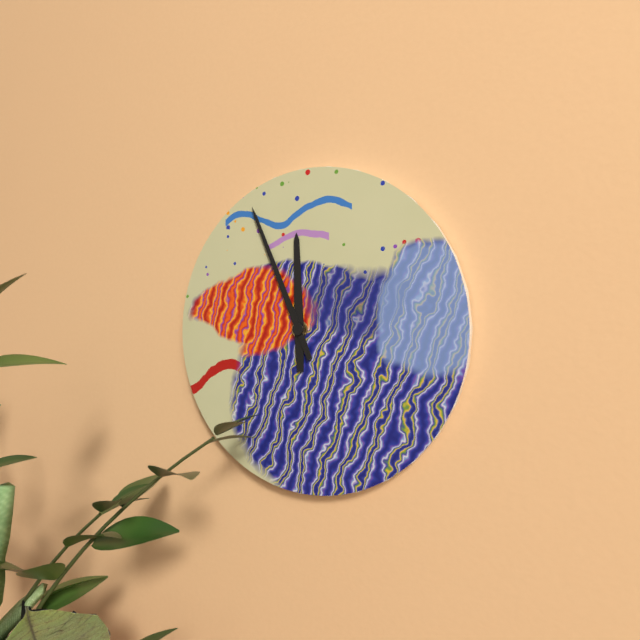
11h56
